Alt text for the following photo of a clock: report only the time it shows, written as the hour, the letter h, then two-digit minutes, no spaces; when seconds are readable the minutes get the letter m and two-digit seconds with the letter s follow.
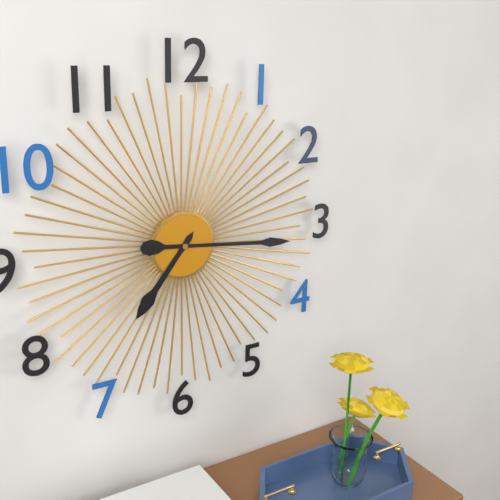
7h16
